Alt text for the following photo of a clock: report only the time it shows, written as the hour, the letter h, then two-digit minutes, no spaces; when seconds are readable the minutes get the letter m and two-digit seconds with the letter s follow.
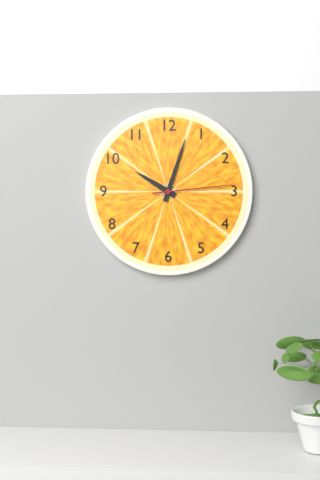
10h03m14s
